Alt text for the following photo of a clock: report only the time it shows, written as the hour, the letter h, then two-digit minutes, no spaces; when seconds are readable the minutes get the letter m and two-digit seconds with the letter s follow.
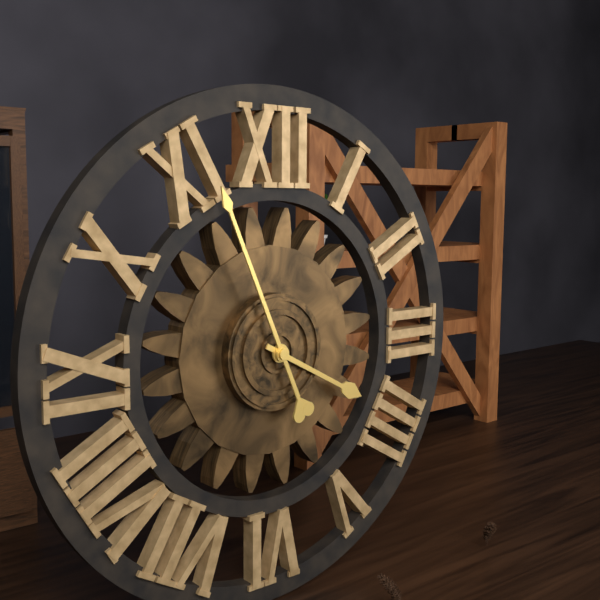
3h56
